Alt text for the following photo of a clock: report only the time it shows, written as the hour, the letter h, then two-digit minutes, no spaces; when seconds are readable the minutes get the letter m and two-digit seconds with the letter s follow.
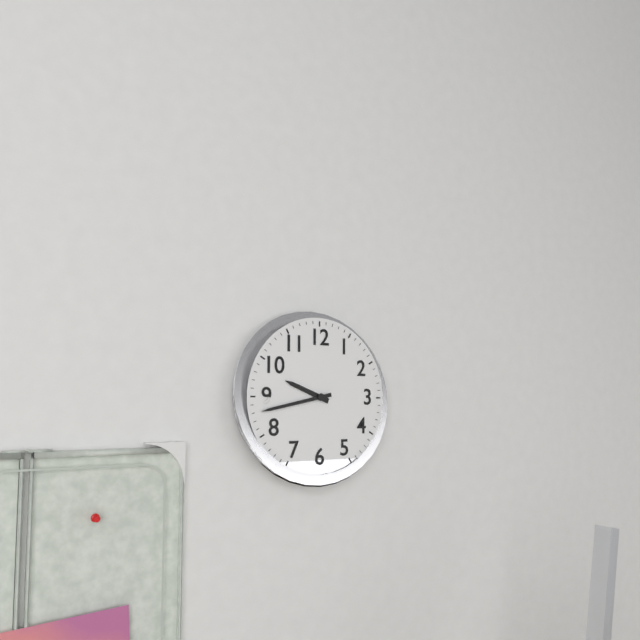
9h43
